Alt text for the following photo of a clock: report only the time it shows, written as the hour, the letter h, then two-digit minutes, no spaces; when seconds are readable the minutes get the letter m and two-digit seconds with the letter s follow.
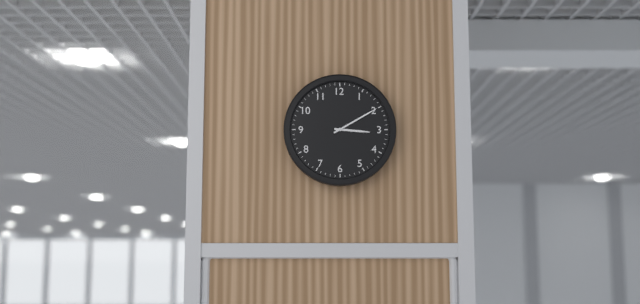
3h10
